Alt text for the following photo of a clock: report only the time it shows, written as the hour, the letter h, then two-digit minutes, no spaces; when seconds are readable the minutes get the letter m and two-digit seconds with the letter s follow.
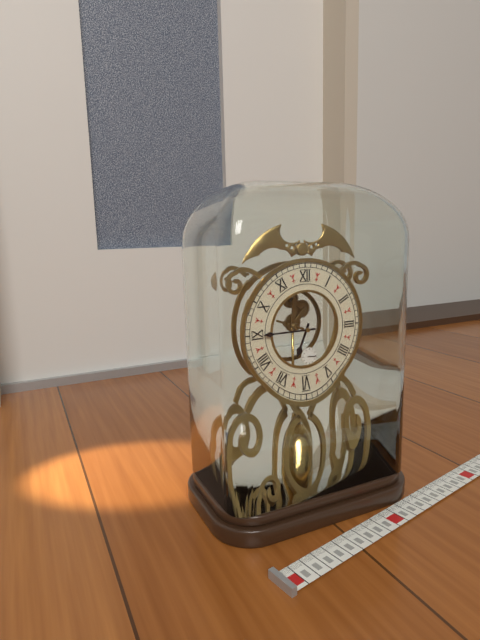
6h45
